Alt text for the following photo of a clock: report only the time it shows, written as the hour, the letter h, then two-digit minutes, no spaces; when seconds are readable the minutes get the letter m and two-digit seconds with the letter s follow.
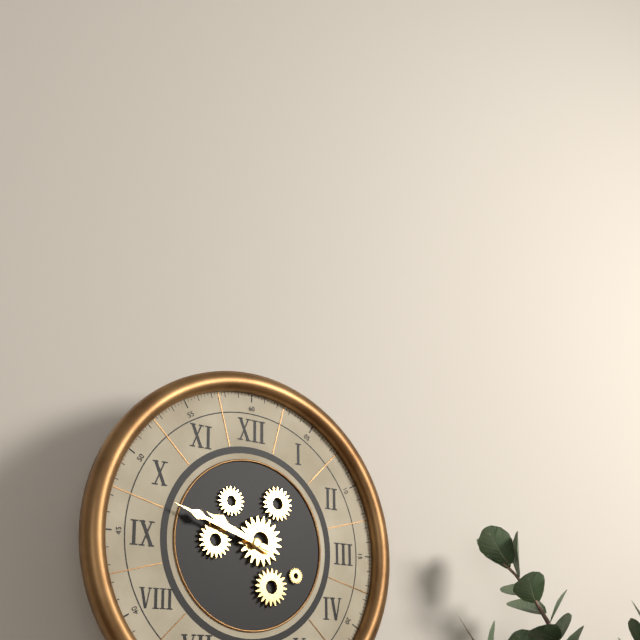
9h48
